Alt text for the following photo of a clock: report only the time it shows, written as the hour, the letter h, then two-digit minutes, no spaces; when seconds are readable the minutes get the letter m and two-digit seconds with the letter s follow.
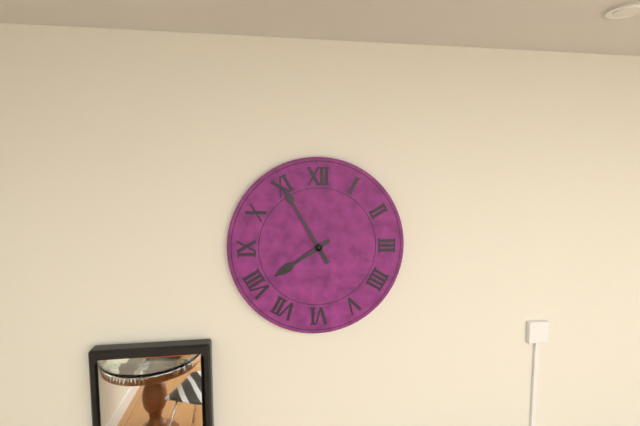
7h55
